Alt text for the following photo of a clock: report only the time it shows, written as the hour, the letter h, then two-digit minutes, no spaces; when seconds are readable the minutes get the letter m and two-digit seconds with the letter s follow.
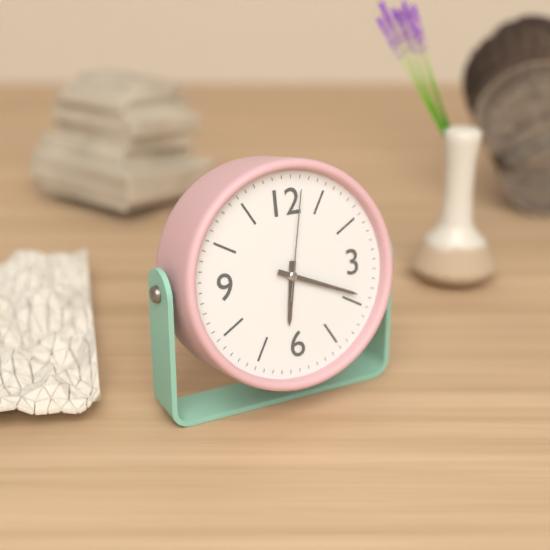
6h19m02s
